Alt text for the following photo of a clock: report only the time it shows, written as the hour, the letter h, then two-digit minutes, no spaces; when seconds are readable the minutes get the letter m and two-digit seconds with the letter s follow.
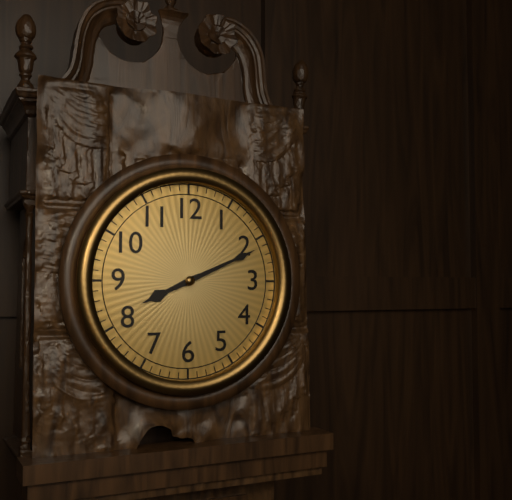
8h11
